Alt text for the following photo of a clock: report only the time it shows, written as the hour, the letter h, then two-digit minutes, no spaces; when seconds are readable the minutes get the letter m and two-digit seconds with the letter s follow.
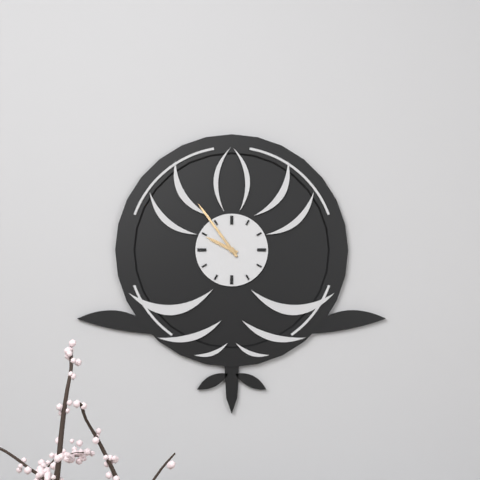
9h54
